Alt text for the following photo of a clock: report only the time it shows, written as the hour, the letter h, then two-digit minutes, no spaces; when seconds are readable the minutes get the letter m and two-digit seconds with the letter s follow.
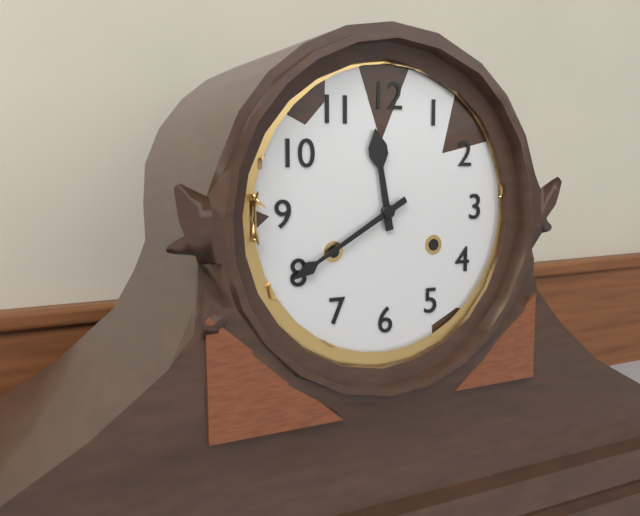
11h40
